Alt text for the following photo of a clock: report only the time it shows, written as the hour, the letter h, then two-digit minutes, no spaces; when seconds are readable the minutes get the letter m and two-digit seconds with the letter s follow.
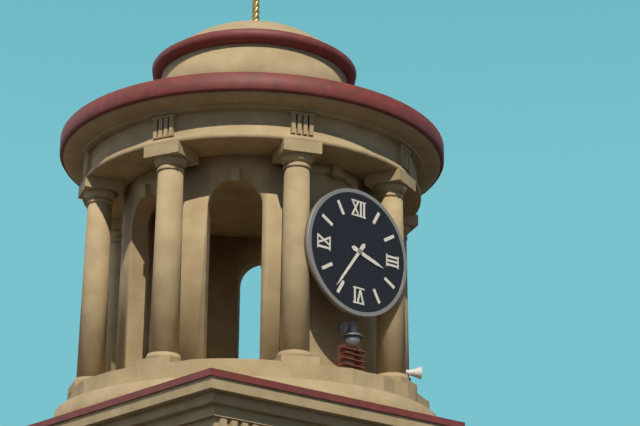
3h36
